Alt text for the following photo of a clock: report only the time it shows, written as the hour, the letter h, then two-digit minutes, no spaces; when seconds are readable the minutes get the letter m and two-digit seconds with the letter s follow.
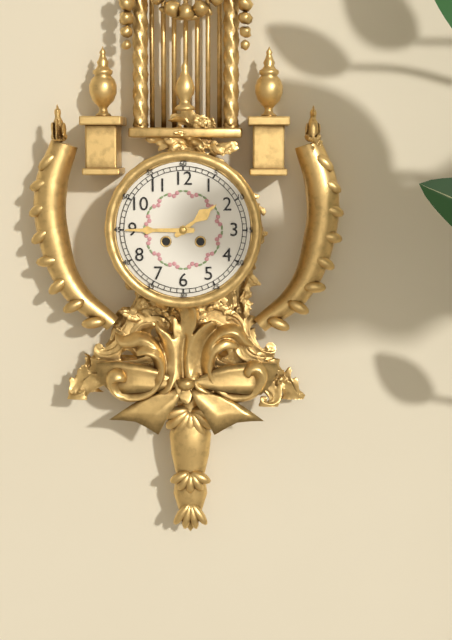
1h45
